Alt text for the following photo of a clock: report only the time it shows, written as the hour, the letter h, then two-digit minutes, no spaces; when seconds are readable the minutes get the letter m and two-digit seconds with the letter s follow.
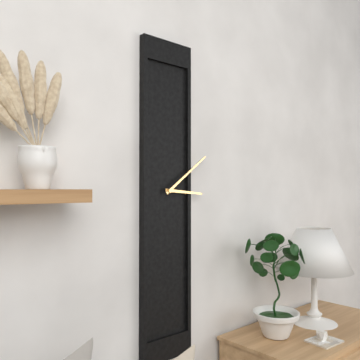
3h09
